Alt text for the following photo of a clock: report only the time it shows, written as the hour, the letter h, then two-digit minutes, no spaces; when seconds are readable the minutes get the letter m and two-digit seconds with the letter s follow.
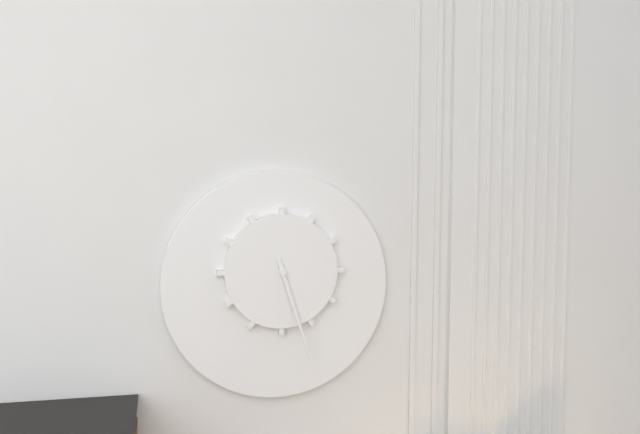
5h27
